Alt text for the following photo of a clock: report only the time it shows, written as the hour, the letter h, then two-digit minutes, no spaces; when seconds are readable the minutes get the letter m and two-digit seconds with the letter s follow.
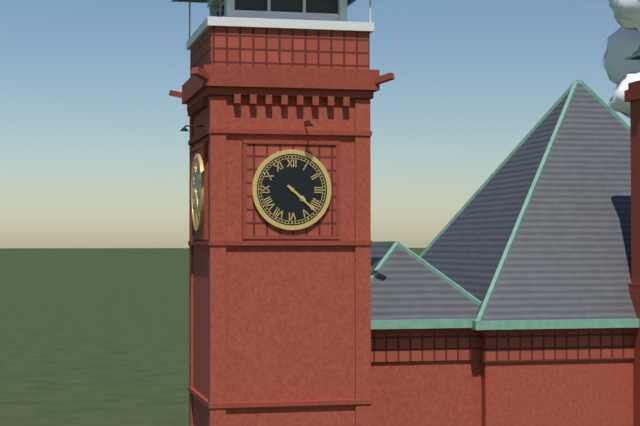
4h22
